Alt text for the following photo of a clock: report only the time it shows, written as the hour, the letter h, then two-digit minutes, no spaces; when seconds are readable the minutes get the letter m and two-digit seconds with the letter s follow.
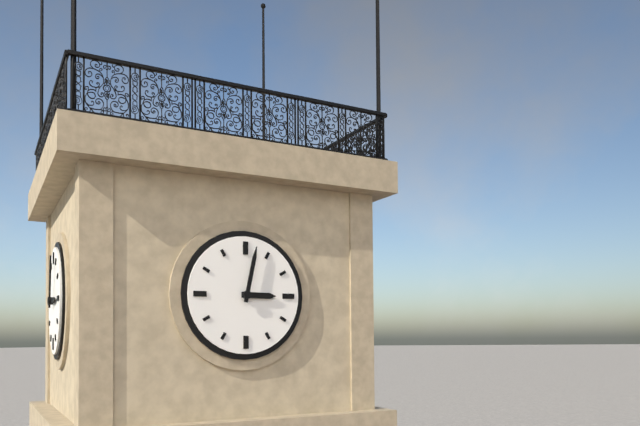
3h02
